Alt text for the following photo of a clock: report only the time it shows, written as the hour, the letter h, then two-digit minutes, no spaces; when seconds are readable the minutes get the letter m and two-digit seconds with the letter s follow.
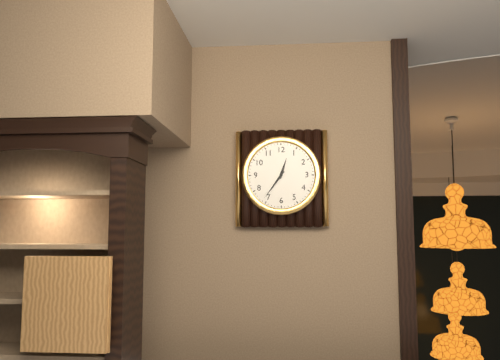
12h36
